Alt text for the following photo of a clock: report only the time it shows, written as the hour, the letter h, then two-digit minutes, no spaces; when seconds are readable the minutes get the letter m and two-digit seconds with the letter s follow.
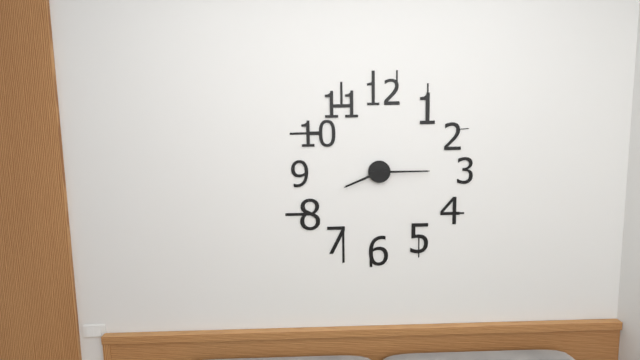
8h15
